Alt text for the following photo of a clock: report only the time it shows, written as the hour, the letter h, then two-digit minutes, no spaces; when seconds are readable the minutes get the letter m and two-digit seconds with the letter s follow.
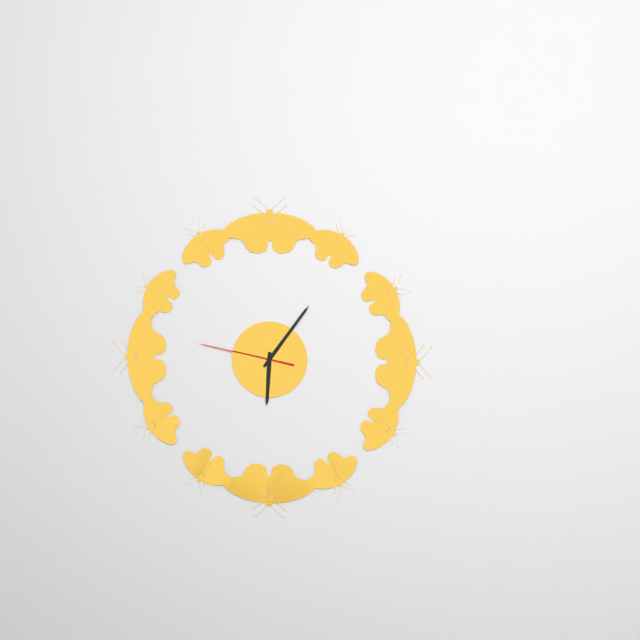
6h06m47s
